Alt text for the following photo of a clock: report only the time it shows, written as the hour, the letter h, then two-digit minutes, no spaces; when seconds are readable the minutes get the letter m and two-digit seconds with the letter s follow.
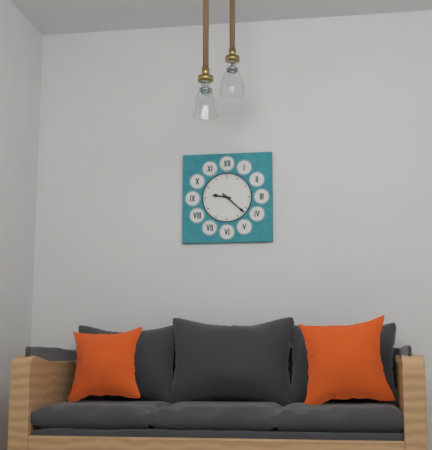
9h22
